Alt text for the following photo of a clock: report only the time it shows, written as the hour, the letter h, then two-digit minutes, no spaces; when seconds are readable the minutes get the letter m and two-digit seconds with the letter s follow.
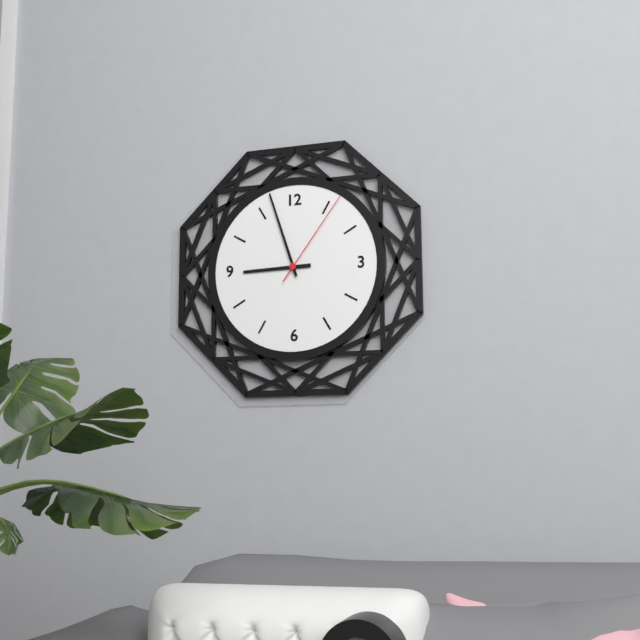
8h57m06s
